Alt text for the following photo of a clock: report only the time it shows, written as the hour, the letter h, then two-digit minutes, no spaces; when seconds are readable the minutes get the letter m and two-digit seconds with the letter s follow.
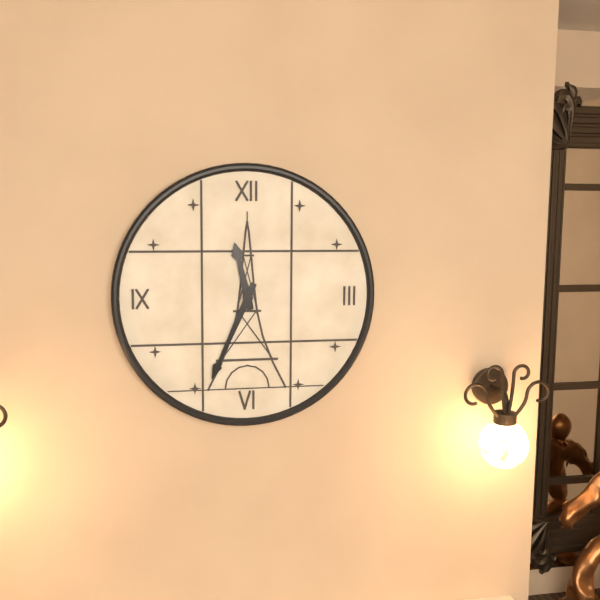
11h34
